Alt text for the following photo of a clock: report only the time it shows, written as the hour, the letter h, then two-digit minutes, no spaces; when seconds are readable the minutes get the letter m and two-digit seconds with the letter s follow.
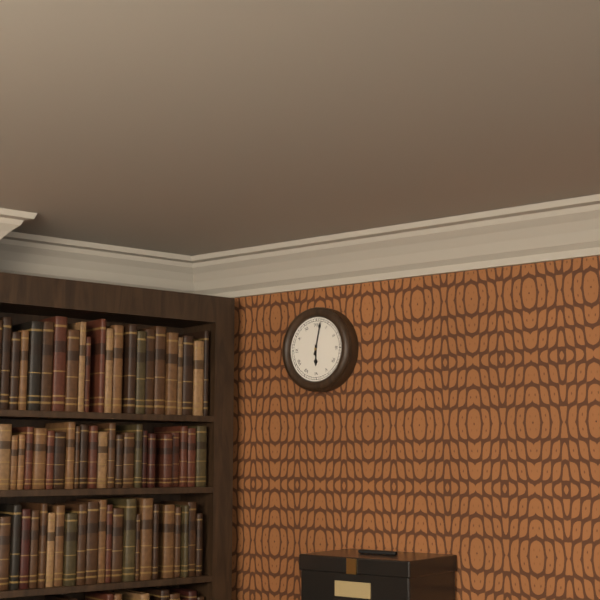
6h02
